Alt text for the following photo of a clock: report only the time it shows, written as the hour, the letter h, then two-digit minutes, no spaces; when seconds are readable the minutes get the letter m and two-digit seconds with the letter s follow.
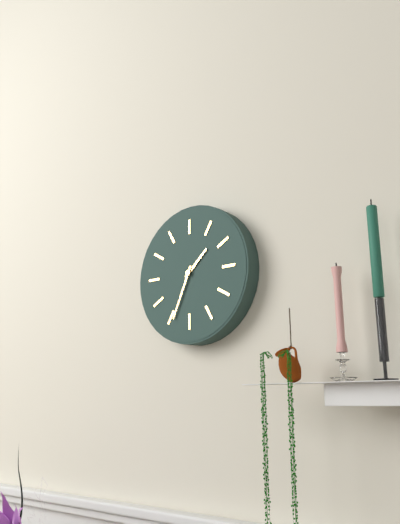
1h34
